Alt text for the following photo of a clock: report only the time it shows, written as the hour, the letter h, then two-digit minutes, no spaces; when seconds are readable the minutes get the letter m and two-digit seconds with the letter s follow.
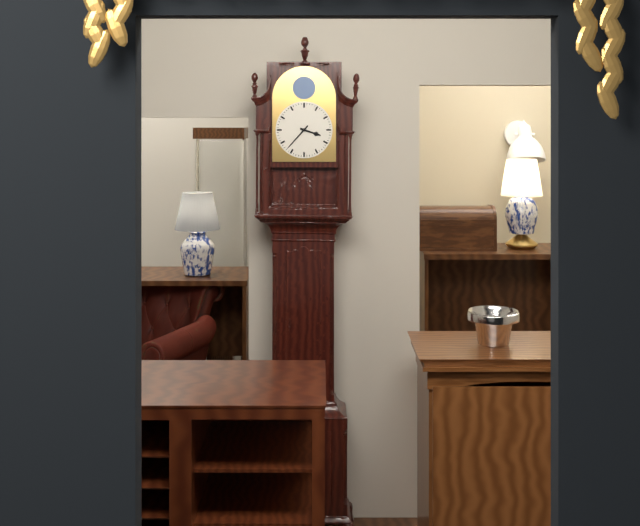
3h37
